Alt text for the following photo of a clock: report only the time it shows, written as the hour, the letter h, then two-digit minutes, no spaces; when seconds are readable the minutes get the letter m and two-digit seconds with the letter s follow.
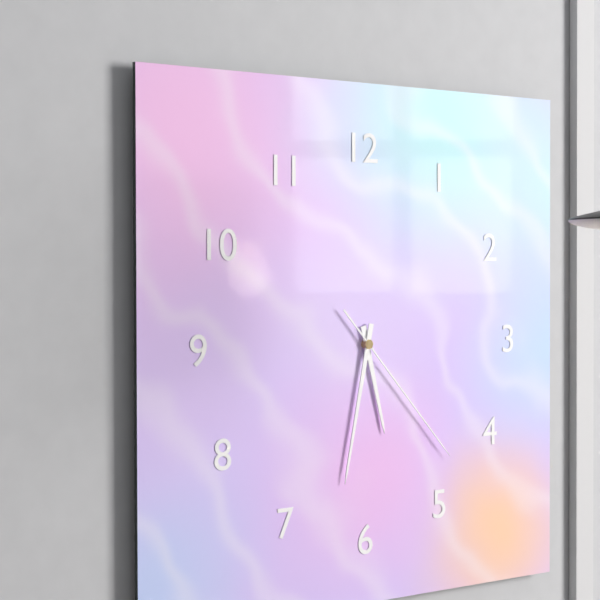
5h32m23s
